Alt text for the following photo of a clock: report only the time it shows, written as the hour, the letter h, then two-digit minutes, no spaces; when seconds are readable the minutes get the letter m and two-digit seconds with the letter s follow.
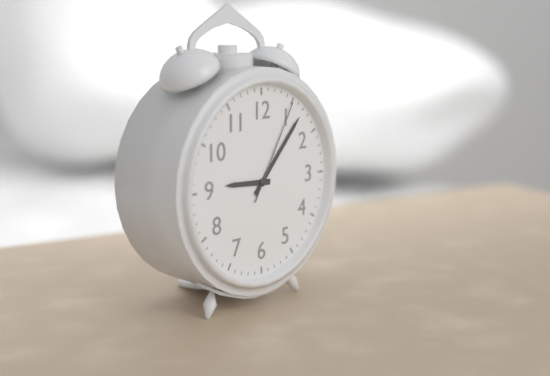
9h07m05s
